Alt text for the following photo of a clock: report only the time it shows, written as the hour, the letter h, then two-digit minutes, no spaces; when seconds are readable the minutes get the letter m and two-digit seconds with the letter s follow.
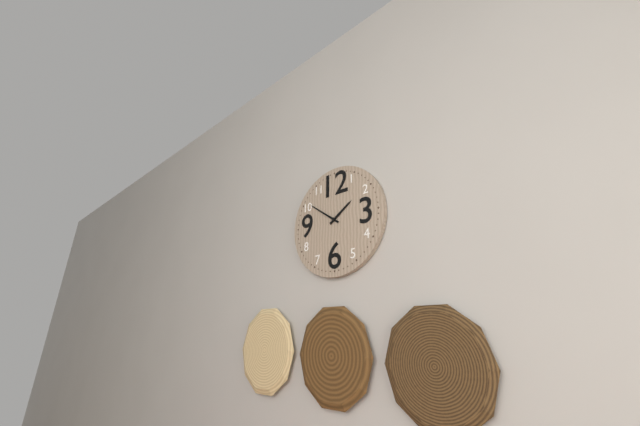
1h51
